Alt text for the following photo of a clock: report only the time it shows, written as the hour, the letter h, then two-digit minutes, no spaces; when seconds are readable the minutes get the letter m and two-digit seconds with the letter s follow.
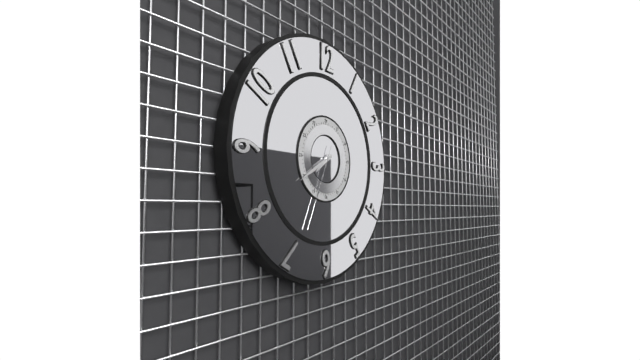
7h40m34s
